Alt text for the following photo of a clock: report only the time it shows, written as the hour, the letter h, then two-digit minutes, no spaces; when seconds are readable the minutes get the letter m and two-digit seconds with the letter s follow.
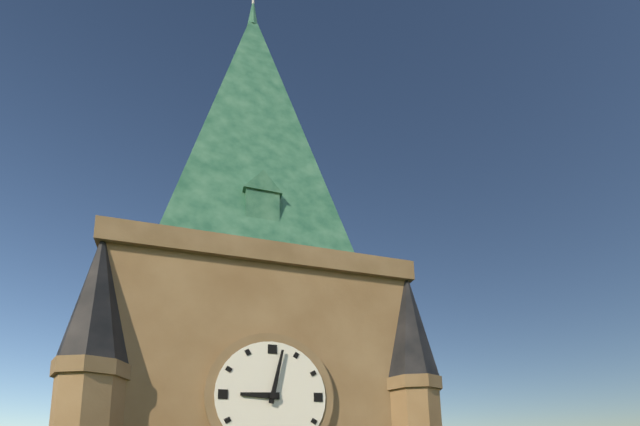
9h02
